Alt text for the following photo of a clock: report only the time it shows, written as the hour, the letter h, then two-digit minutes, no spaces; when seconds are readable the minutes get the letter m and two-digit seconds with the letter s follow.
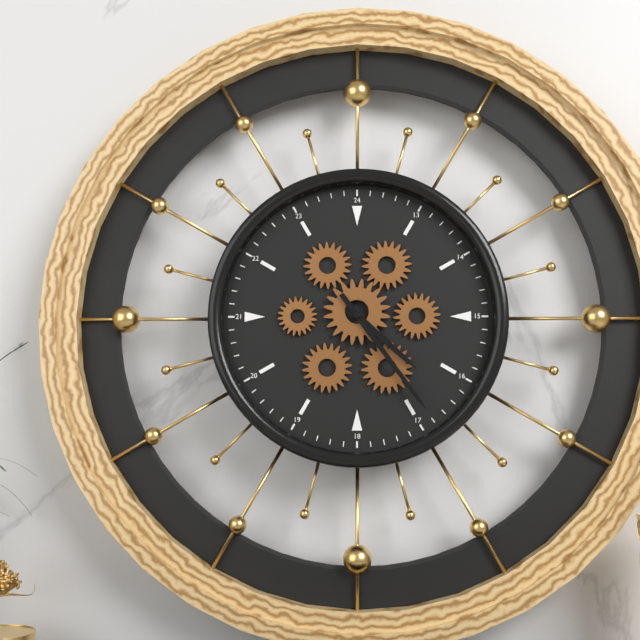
4h24
